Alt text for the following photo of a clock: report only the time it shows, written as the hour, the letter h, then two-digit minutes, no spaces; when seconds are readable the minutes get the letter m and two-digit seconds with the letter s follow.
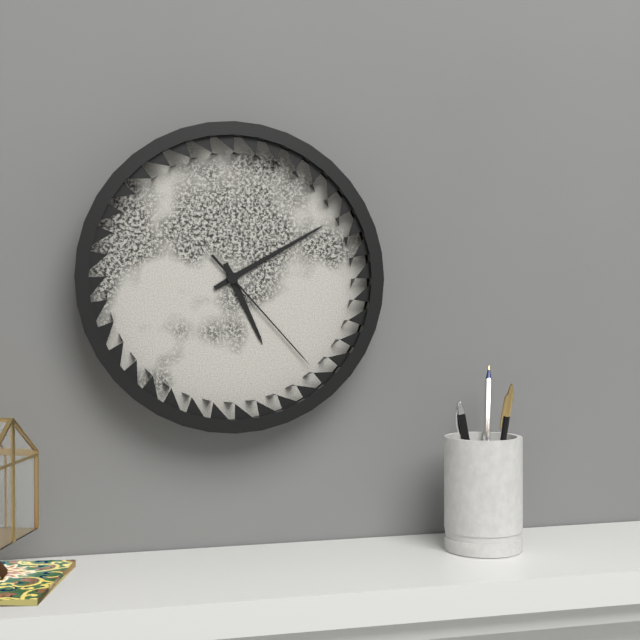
5h10m23s
